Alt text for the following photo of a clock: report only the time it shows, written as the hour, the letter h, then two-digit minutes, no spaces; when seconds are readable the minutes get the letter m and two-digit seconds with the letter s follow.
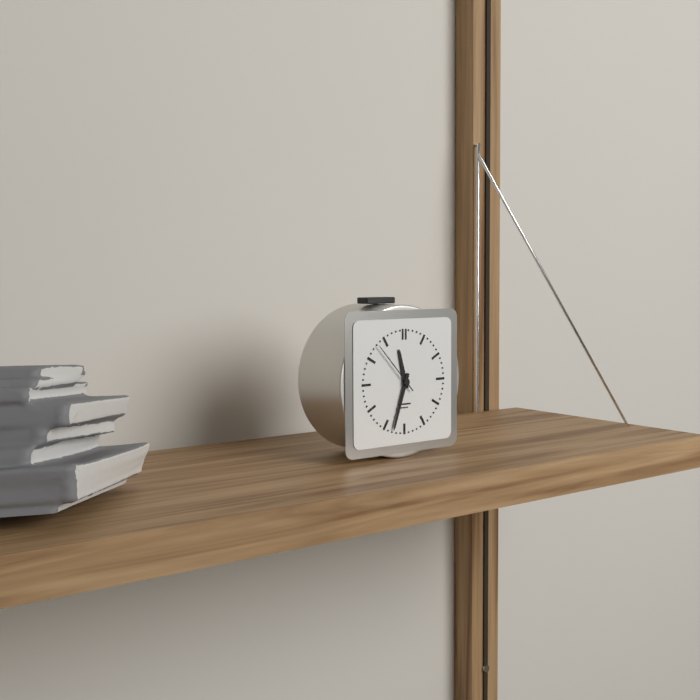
11h33m53s
